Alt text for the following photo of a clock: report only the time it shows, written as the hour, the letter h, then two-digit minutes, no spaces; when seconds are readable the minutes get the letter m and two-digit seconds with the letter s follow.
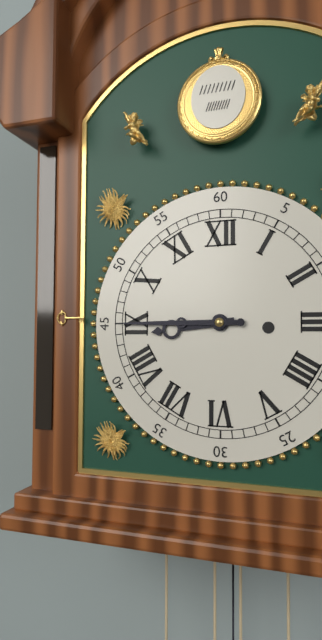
8h45
